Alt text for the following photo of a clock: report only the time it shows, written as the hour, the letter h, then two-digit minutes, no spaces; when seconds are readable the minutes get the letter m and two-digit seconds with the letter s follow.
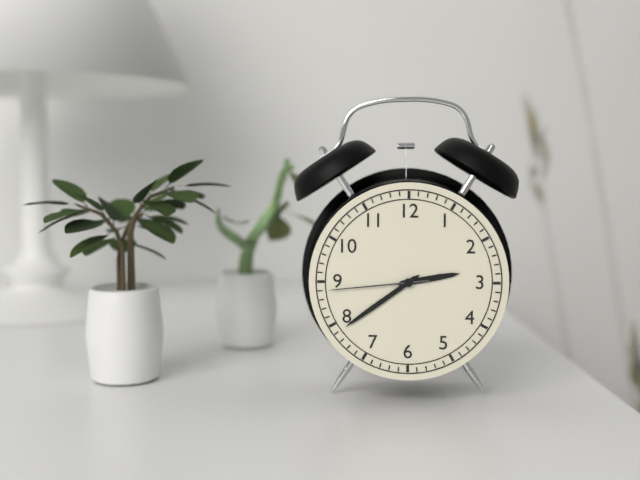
2h39m44s
